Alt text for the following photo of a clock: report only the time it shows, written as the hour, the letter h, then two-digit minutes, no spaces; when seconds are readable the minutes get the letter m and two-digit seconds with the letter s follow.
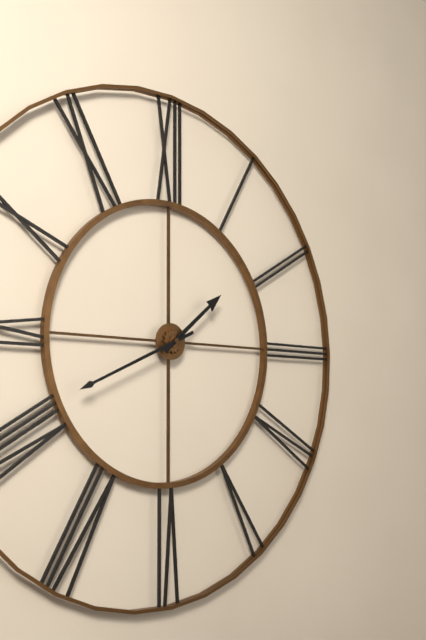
1h41
